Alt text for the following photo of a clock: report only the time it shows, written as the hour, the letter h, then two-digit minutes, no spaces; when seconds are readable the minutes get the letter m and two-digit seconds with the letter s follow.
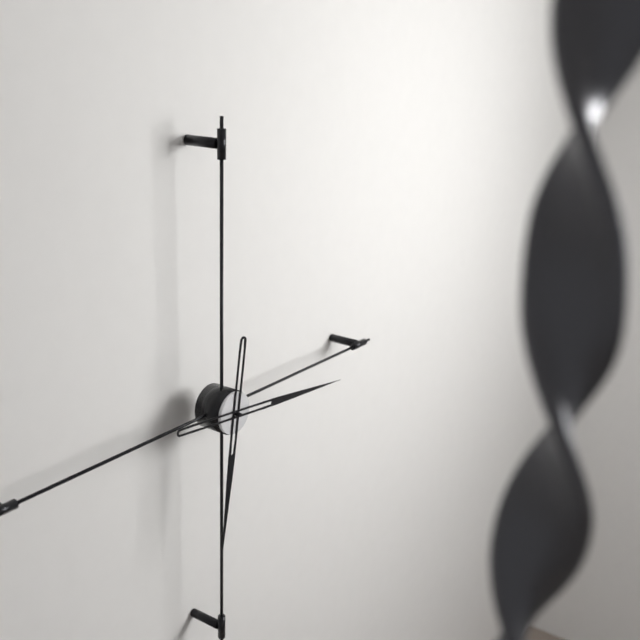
6h16
